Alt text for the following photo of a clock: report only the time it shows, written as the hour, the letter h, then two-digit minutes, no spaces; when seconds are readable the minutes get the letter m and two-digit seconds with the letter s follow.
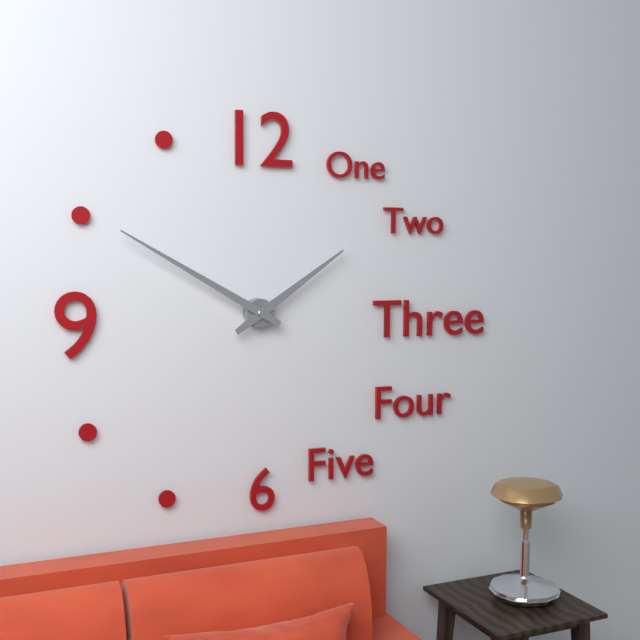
1h50
